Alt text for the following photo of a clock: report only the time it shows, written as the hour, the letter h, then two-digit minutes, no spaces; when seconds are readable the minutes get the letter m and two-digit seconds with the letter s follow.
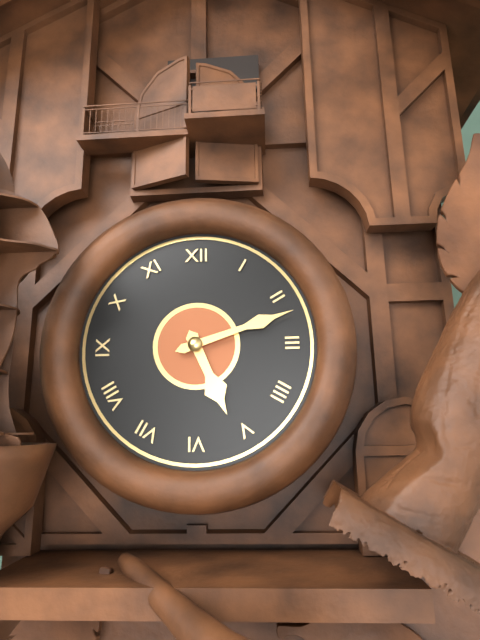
5h12
